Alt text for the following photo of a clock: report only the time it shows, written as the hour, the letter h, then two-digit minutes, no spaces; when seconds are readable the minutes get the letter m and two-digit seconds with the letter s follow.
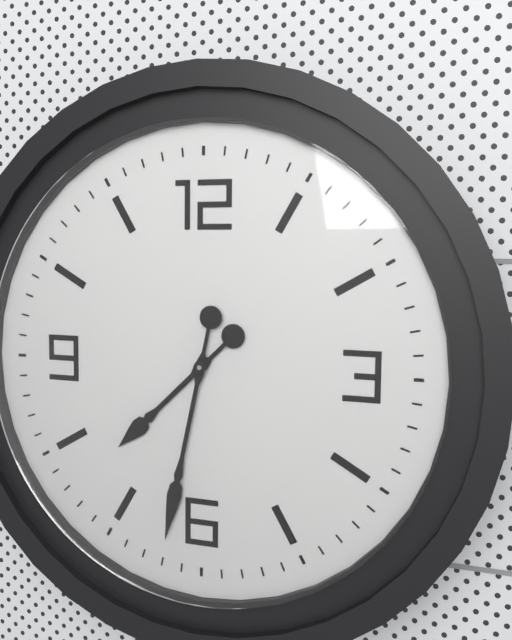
7h32
